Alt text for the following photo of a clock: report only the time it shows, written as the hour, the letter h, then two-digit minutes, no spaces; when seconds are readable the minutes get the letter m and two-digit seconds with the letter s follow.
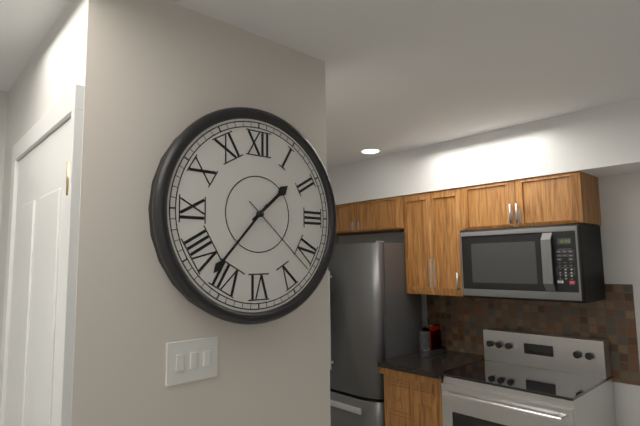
1h37m22s
